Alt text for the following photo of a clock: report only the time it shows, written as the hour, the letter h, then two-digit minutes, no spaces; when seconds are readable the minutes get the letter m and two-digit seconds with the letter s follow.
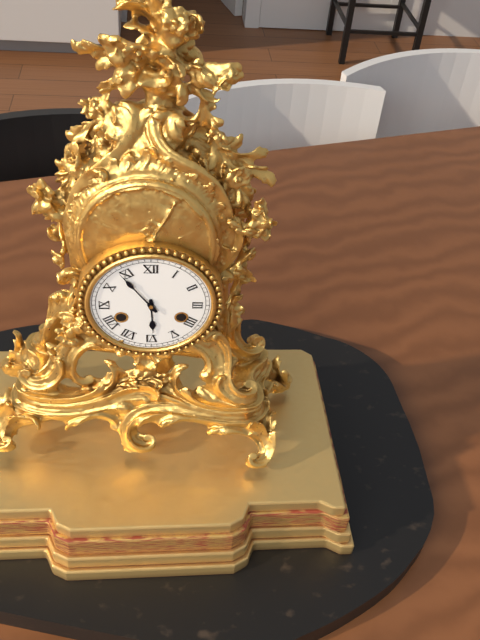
5h54
